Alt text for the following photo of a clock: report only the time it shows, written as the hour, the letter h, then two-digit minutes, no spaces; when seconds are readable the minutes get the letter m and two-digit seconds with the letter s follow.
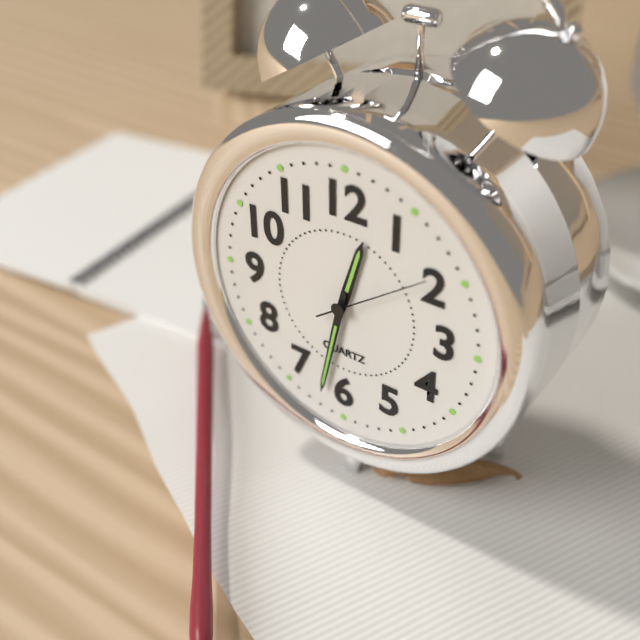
12h32m09s
